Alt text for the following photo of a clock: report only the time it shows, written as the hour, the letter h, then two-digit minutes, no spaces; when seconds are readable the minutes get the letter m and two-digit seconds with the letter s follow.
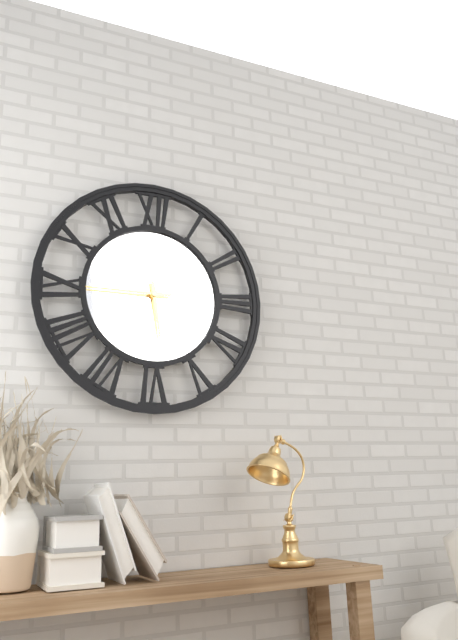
5h45
